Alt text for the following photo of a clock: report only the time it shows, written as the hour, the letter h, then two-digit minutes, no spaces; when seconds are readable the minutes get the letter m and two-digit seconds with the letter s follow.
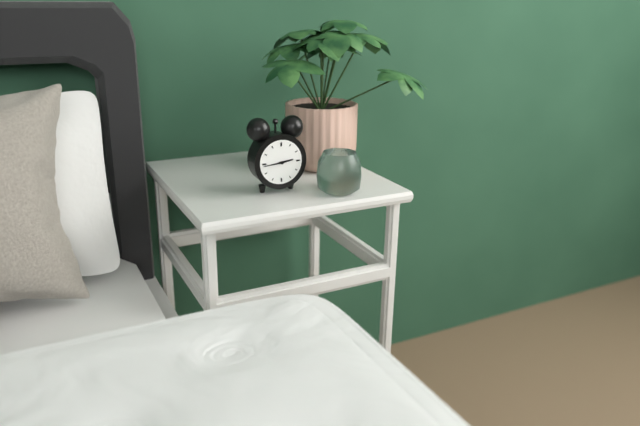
2h44
